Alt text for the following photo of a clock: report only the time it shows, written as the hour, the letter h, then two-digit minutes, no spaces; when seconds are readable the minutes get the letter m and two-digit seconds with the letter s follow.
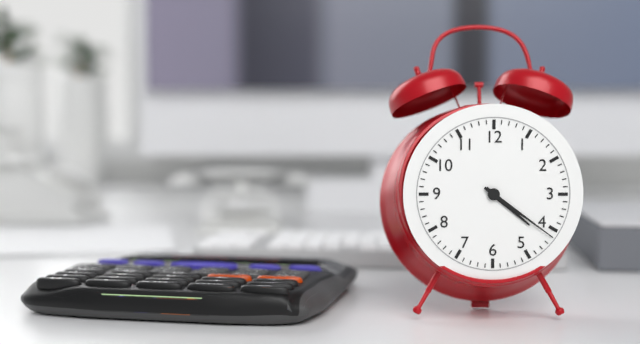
4h21
